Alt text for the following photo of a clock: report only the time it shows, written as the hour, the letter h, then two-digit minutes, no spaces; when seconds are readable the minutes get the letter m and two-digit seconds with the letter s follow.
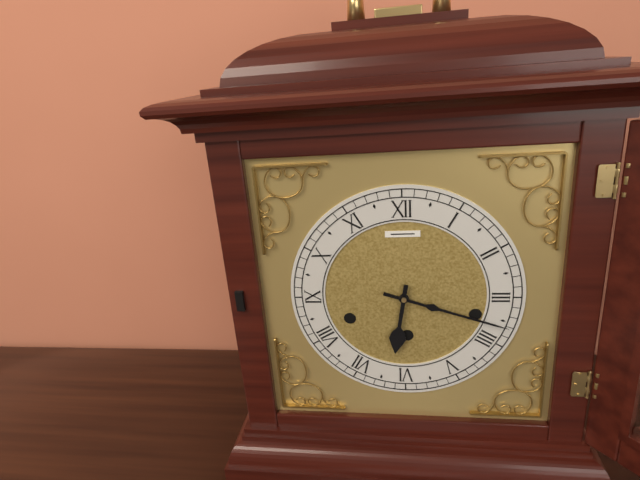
6h18
